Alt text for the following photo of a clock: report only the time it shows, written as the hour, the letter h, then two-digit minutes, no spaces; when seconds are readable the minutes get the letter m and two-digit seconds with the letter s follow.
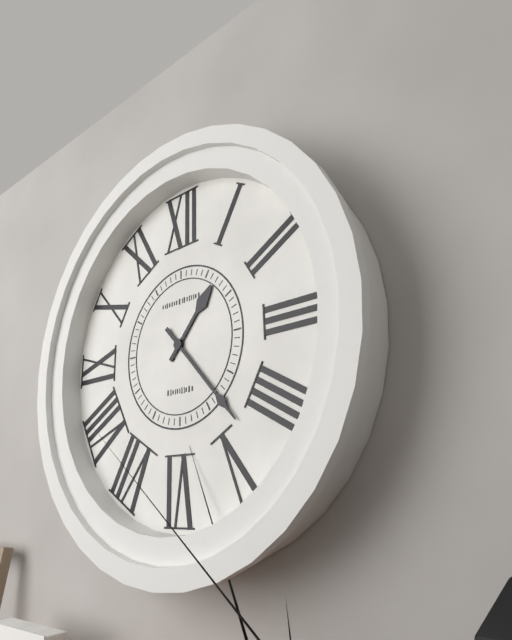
1h23
